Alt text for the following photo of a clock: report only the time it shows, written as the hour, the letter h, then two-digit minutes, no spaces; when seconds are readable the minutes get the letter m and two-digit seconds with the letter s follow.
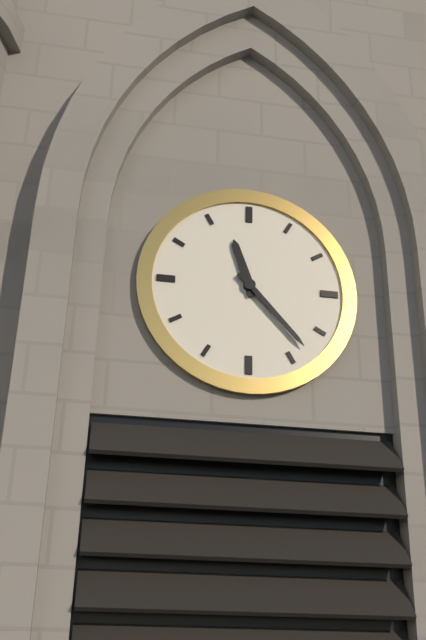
11h23
